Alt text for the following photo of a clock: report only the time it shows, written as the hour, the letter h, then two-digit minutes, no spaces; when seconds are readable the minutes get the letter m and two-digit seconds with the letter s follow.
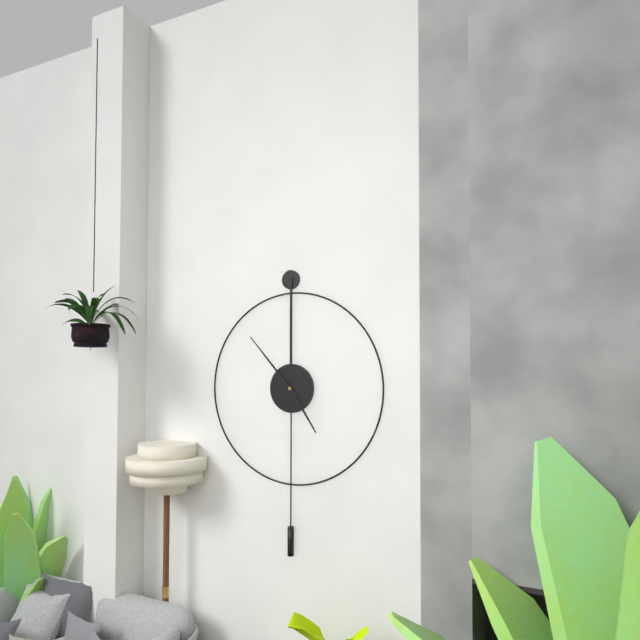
4h53
